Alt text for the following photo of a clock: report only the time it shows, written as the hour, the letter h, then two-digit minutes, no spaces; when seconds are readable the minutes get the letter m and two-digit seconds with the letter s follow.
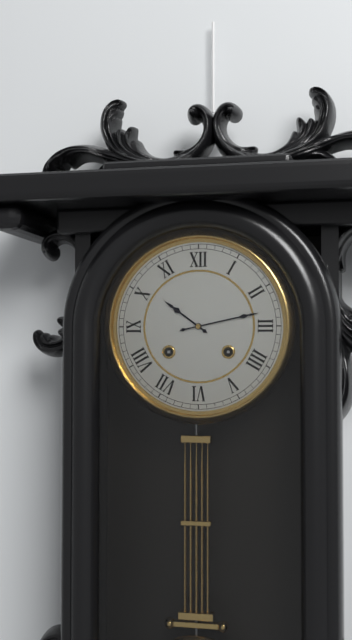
10h13
